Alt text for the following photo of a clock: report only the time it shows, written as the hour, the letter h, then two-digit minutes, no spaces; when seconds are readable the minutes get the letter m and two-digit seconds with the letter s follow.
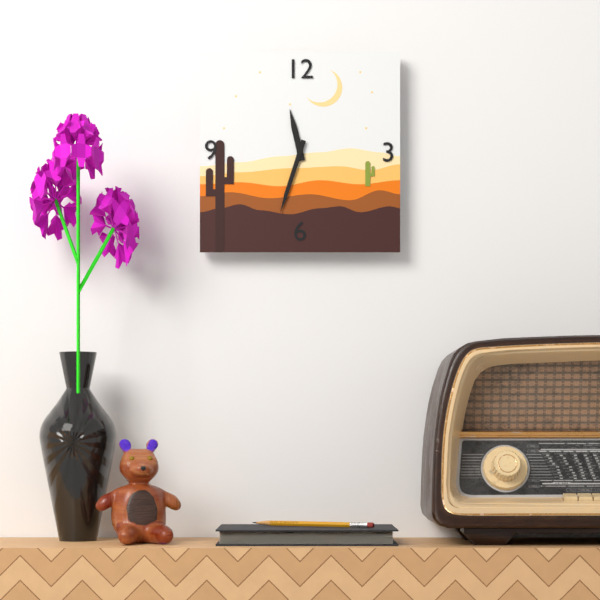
11h33
